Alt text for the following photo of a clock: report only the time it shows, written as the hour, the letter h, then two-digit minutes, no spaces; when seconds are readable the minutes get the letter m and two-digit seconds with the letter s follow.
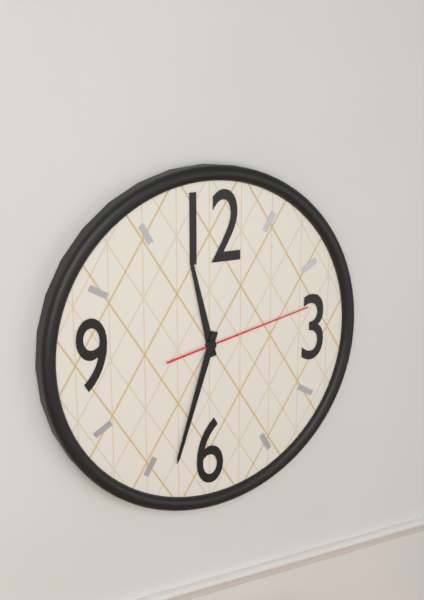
11h33m13s
